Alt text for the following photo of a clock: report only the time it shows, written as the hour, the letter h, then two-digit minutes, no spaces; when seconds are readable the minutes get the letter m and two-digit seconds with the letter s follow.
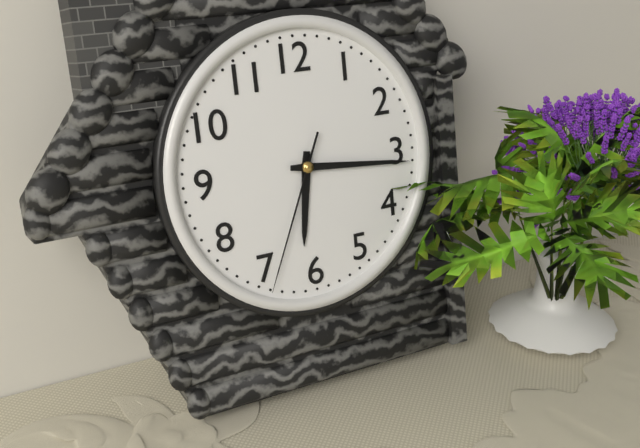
6h16m34s
